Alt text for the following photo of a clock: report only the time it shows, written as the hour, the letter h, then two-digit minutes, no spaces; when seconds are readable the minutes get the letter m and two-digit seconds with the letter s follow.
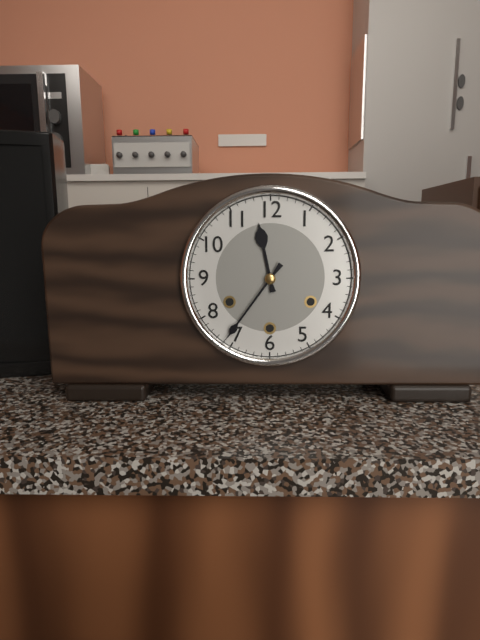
11h36
